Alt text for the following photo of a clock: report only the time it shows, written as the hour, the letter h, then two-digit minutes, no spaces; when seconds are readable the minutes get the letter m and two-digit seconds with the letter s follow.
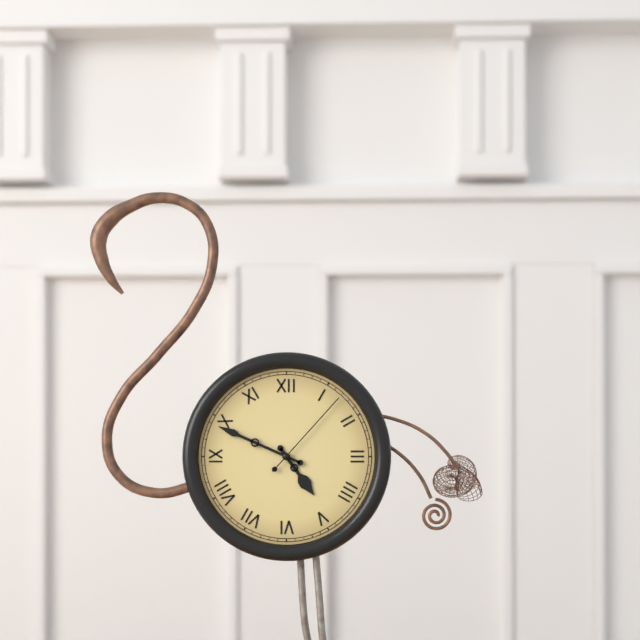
4h49m07s
